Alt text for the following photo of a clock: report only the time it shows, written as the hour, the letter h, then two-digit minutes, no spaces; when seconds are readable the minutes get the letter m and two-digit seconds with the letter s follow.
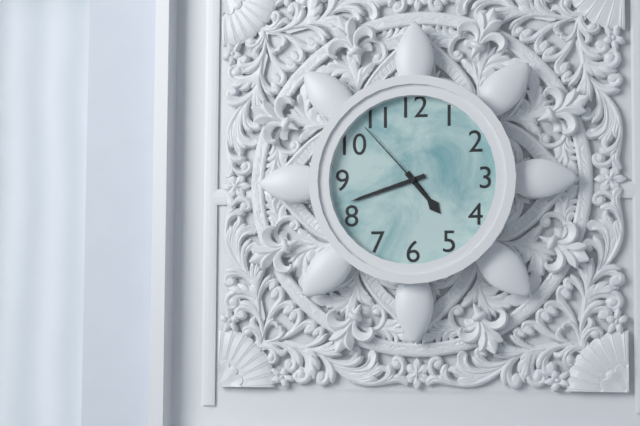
4h42m53s
